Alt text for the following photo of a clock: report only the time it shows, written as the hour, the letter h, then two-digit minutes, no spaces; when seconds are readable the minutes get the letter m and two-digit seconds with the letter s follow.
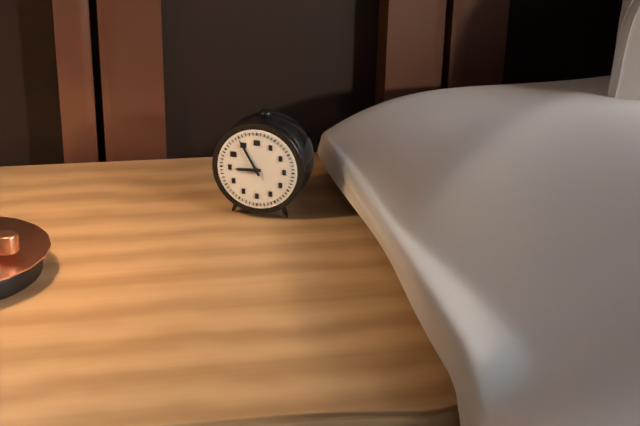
8h55
